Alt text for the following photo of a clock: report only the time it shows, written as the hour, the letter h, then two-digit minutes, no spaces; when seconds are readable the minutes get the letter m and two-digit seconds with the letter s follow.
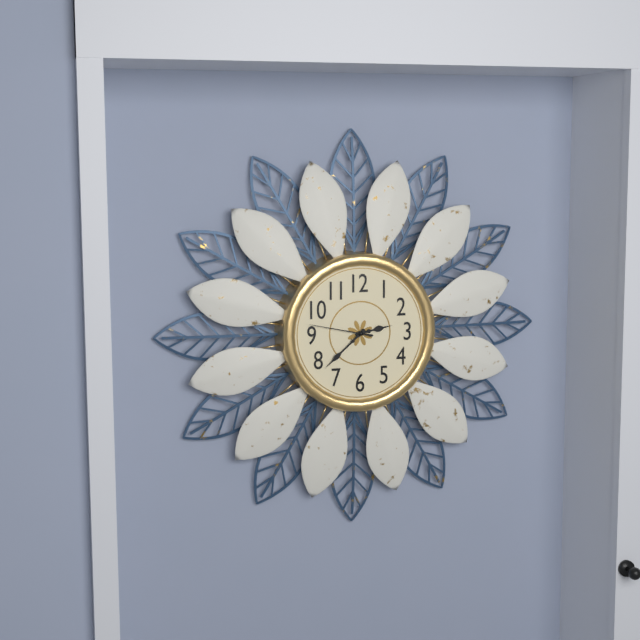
2h38m47s
